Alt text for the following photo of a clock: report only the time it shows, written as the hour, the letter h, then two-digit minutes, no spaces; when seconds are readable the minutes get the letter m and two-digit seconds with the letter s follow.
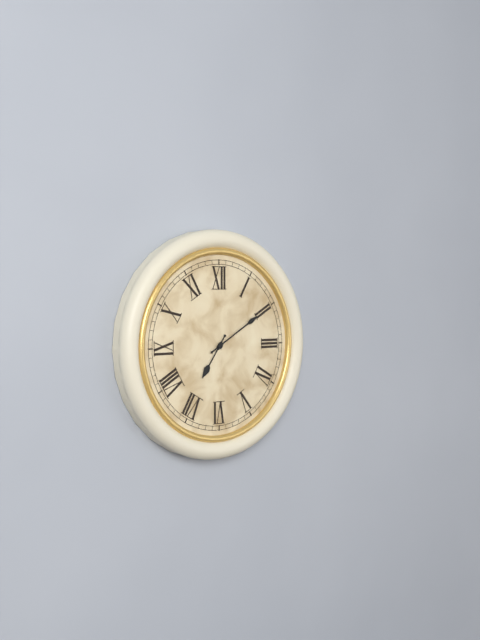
7h10
